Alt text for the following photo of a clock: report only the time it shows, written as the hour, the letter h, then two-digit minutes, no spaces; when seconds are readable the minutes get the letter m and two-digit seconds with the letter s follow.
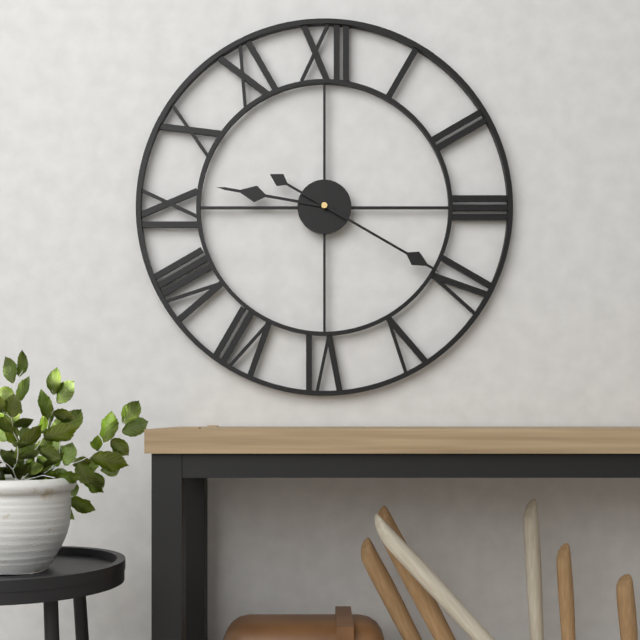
9h20
